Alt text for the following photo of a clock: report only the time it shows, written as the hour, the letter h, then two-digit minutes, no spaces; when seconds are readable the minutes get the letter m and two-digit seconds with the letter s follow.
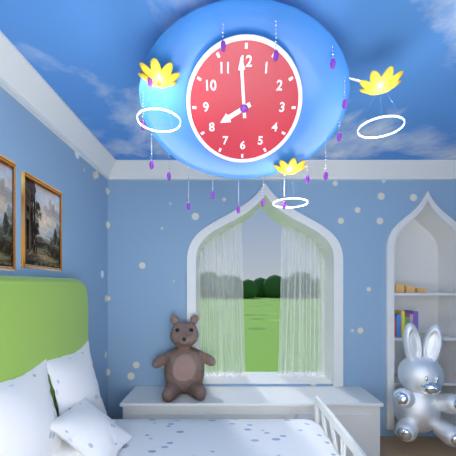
7h59
